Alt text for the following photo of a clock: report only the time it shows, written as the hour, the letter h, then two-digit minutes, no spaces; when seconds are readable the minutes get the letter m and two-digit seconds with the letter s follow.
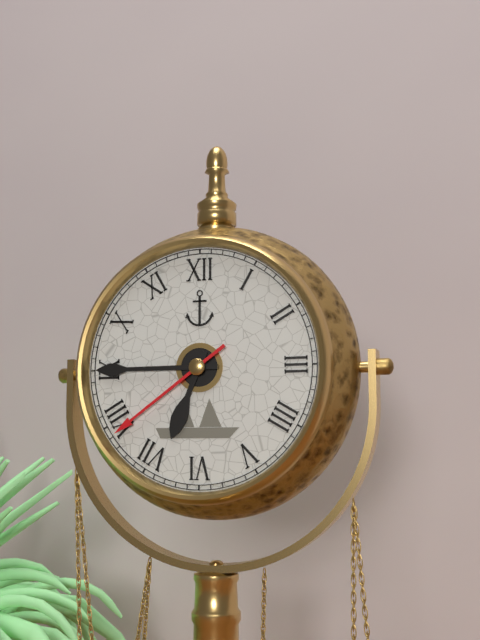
6h45m39s
